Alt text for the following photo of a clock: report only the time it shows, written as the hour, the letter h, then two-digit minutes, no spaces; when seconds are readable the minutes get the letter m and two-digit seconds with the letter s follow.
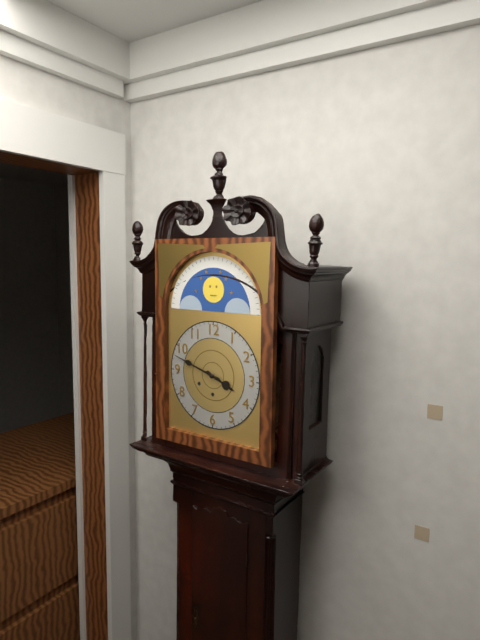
3h48
